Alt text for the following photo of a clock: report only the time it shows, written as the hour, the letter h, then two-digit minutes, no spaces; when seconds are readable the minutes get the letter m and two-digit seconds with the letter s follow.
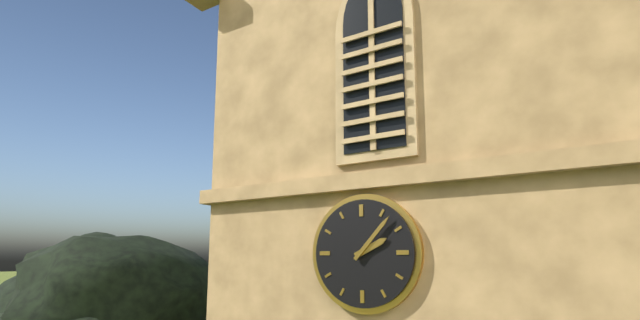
2h07
